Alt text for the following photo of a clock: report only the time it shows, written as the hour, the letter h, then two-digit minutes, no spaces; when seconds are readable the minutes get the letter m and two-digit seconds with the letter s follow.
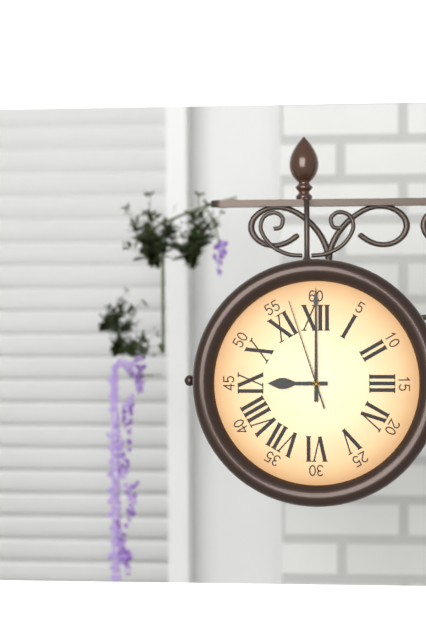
9h00m57s
